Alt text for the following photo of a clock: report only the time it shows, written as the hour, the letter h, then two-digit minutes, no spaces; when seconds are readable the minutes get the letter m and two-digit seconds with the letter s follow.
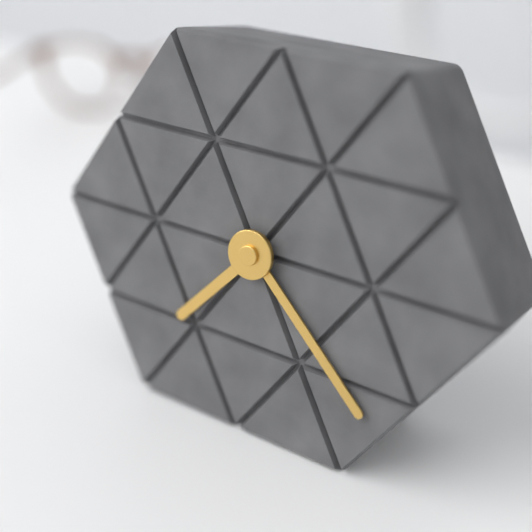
7h22
